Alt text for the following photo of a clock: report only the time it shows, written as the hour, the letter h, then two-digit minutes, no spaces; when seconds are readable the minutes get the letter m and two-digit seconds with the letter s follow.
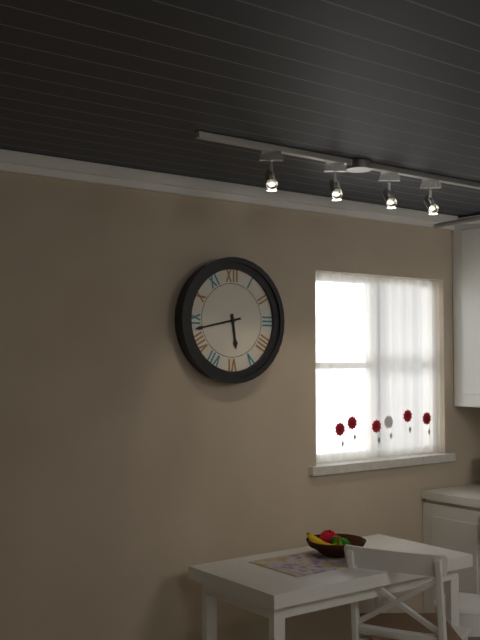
5h43
